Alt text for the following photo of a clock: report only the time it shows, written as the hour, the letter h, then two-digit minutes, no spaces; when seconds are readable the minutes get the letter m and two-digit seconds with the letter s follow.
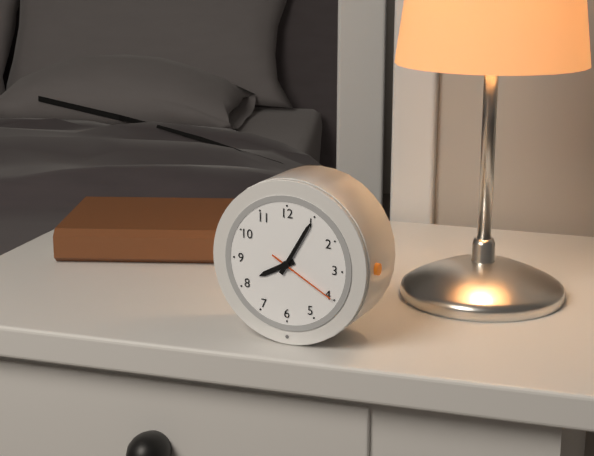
8h05m20s
